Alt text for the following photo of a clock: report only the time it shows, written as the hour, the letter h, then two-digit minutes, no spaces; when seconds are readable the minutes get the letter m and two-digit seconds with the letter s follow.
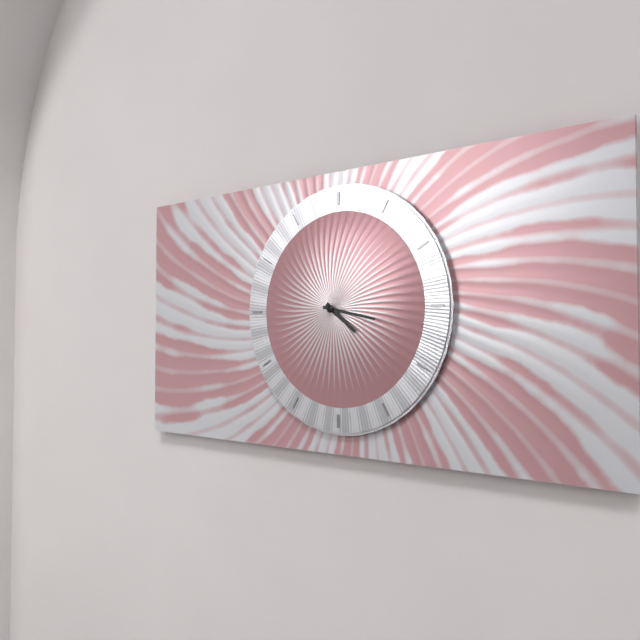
4h17
